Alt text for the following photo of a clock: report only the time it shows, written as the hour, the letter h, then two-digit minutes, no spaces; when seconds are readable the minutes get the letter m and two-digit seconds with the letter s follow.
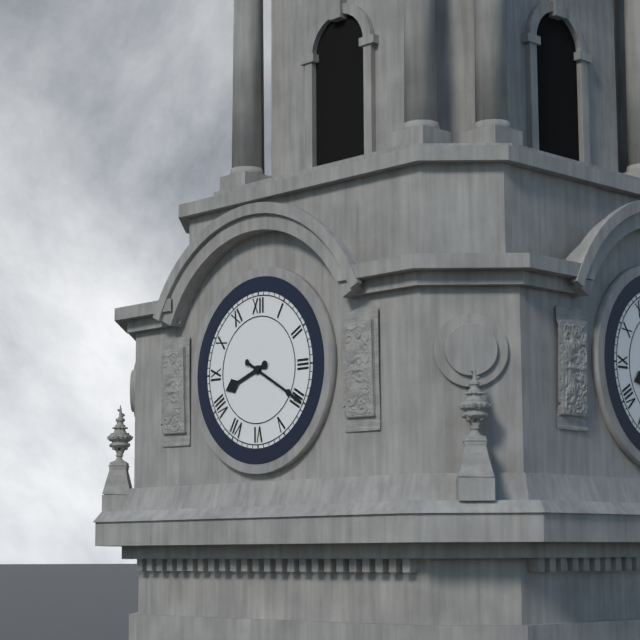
8h20
